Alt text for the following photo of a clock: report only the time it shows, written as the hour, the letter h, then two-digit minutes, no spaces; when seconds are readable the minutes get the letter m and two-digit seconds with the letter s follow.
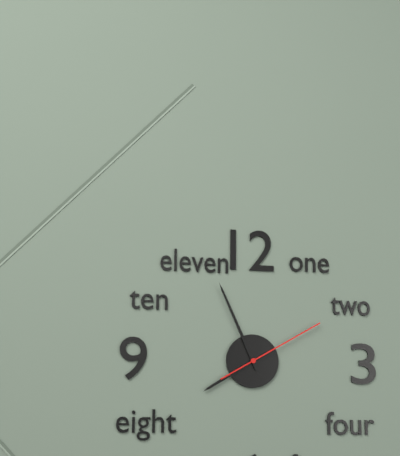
7h56m10s
